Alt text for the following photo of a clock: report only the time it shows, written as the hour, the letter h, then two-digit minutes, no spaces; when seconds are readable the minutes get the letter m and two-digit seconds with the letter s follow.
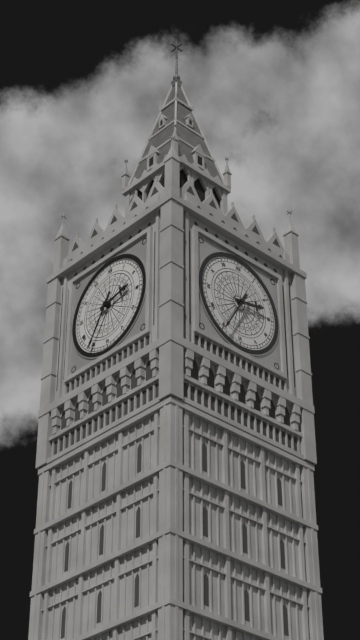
2h35
